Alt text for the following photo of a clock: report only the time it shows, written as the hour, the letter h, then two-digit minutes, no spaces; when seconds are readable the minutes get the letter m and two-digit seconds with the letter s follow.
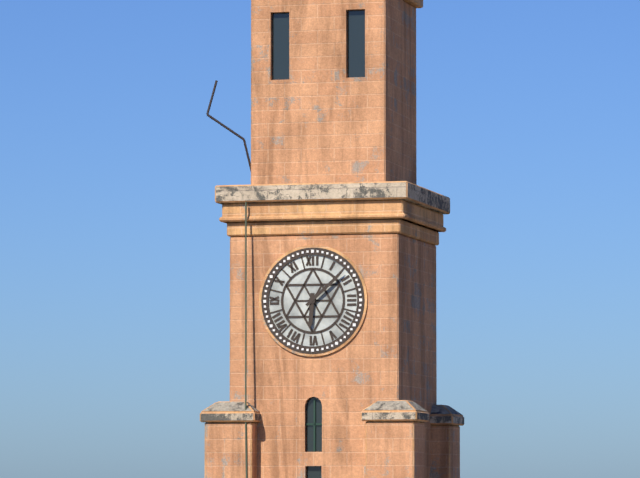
6h08
